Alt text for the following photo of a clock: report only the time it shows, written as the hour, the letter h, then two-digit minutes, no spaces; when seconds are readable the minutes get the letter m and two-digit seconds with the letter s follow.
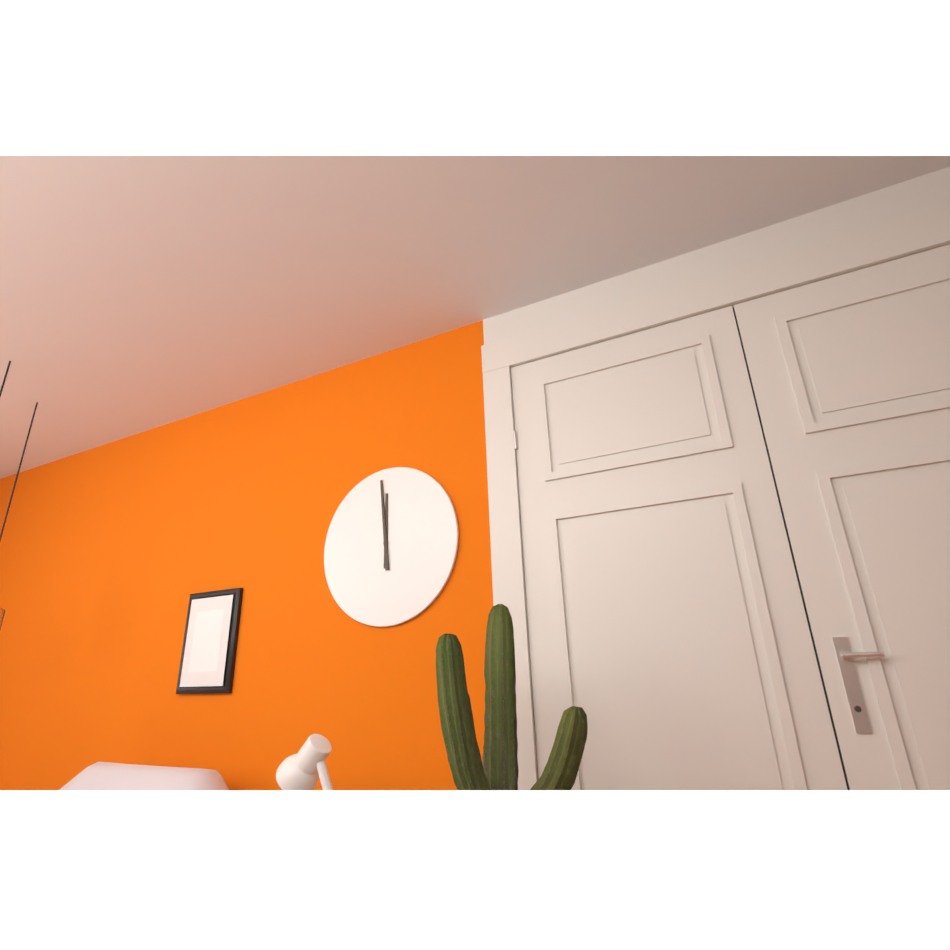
11h59
